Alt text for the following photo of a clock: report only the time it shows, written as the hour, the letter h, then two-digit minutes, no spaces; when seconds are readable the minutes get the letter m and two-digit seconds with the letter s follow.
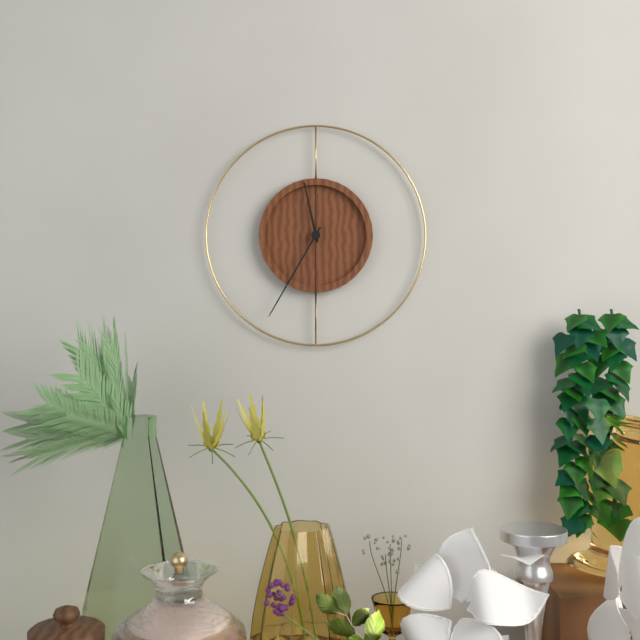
11h35m30s
